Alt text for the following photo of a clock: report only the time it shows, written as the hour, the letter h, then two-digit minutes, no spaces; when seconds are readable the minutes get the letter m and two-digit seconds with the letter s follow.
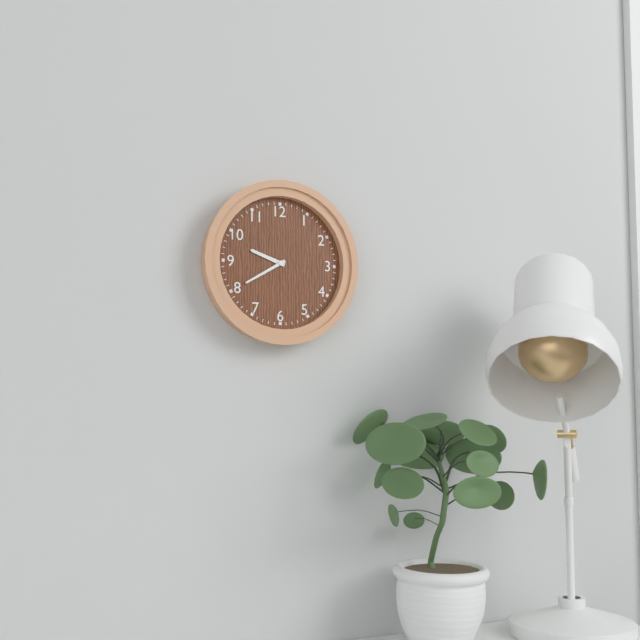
9h40
